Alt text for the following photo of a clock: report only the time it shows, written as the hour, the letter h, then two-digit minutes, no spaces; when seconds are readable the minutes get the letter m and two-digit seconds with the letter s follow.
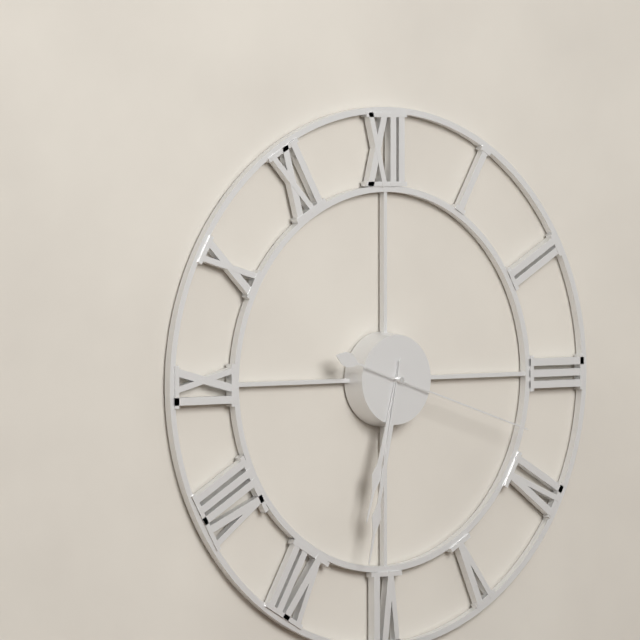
6h32m18s
